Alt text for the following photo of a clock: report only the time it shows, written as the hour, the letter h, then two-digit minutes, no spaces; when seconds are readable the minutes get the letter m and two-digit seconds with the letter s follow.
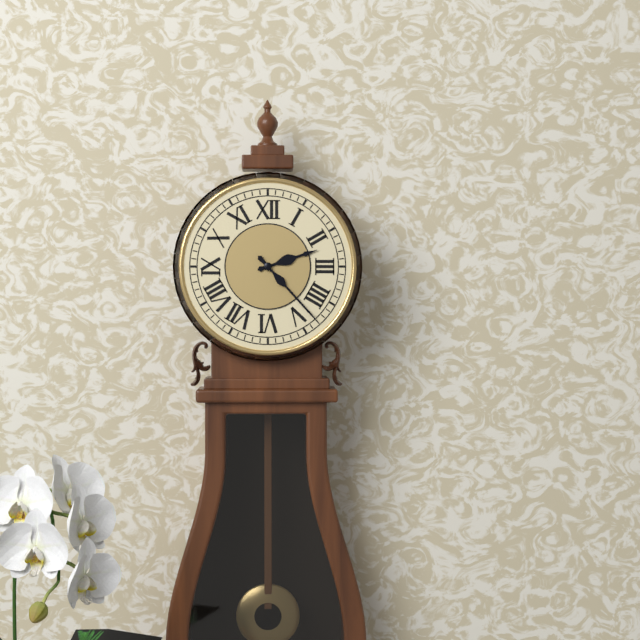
2h23
